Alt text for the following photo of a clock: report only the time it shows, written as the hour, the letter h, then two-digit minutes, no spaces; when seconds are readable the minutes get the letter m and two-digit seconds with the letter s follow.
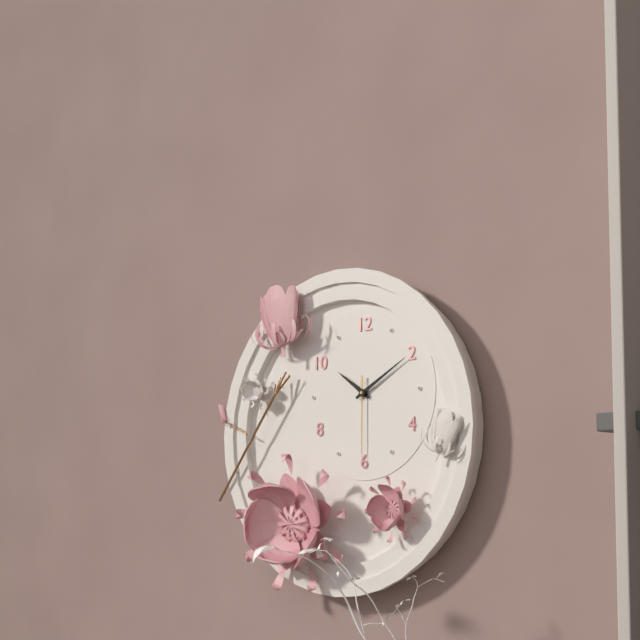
10h10m30s
